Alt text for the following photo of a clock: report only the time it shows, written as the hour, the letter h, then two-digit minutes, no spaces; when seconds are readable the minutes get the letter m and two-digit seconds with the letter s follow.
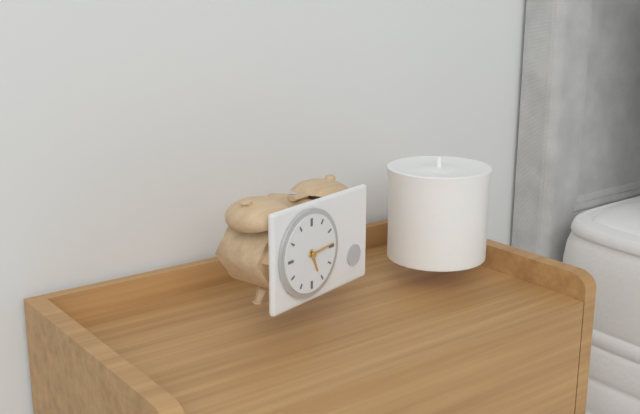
5h14
